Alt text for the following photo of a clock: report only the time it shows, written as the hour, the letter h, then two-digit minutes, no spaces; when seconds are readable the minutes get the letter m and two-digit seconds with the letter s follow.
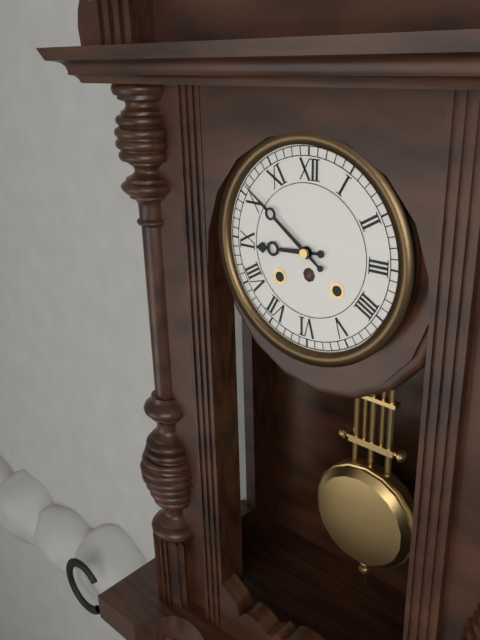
8h51
